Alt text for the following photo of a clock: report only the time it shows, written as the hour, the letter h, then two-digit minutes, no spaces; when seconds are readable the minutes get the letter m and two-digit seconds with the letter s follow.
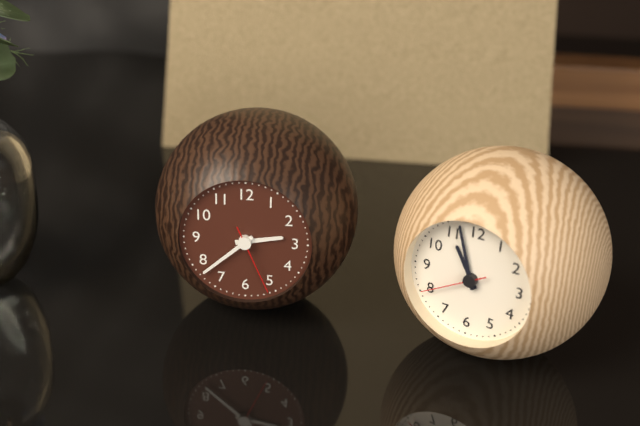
2h38m26s
